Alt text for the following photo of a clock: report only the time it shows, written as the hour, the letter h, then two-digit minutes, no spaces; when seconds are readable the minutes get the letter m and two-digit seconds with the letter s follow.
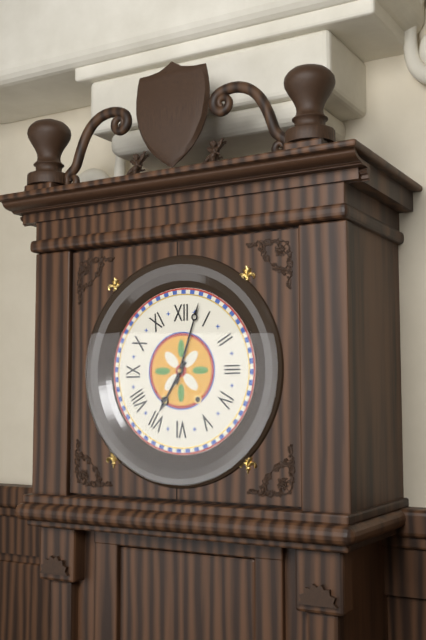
7h03
